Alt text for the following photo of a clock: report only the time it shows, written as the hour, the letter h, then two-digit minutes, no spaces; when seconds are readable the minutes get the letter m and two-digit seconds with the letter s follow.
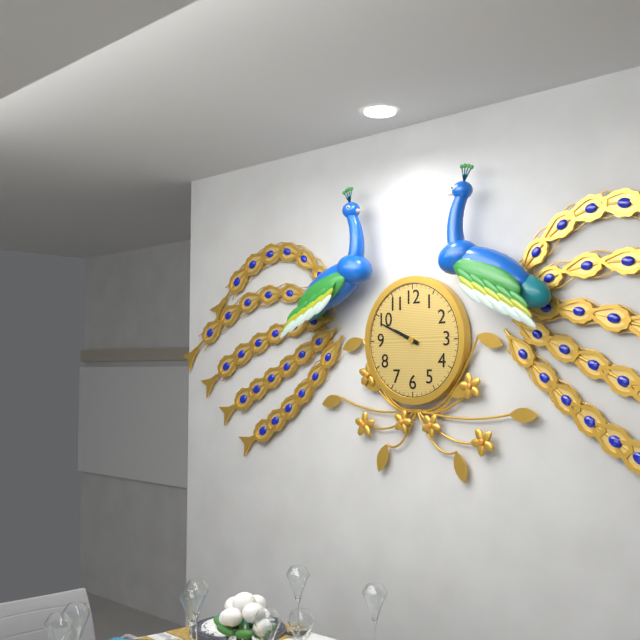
9h49
